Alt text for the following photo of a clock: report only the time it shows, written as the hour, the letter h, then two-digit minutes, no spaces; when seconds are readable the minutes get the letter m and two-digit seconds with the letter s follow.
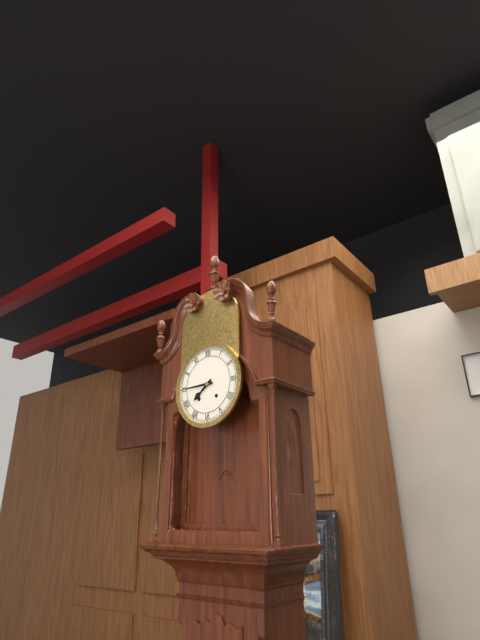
7h45
